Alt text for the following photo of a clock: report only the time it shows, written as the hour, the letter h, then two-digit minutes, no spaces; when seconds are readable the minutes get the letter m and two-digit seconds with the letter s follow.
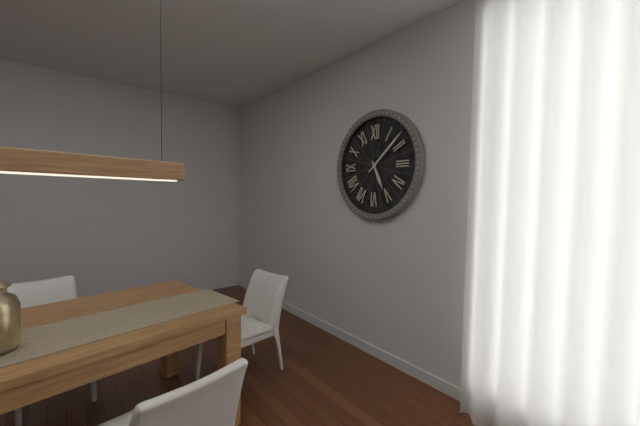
5h08
